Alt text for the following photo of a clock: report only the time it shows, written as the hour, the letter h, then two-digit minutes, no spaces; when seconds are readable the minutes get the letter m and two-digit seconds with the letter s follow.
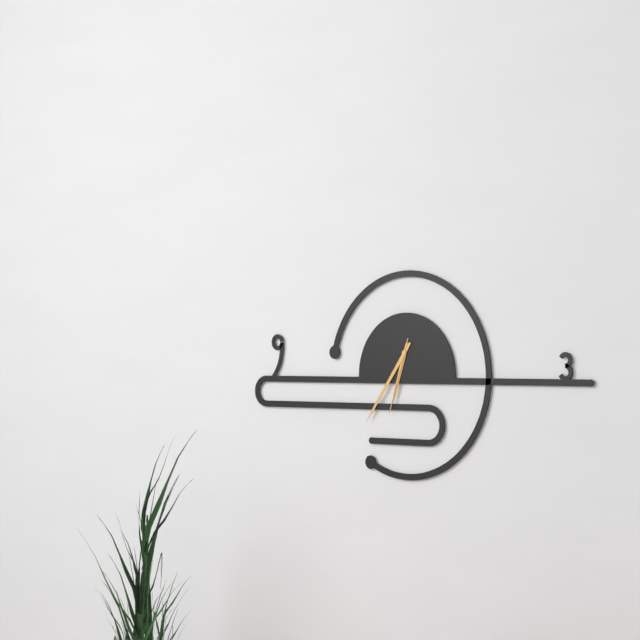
6h36m33s
